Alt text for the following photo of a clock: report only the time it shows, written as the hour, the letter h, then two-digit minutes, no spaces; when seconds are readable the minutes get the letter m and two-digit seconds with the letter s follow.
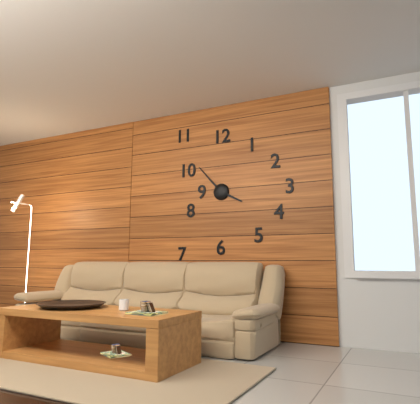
3h53
